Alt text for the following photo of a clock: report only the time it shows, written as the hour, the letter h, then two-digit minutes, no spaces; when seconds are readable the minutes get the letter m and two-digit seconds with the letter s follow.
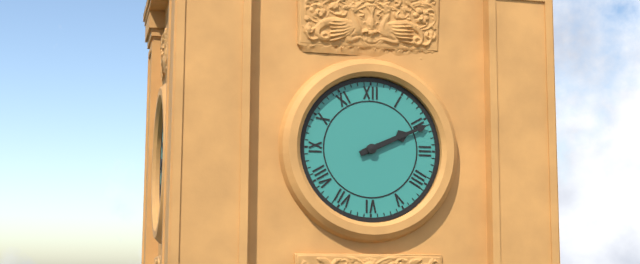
2h11
